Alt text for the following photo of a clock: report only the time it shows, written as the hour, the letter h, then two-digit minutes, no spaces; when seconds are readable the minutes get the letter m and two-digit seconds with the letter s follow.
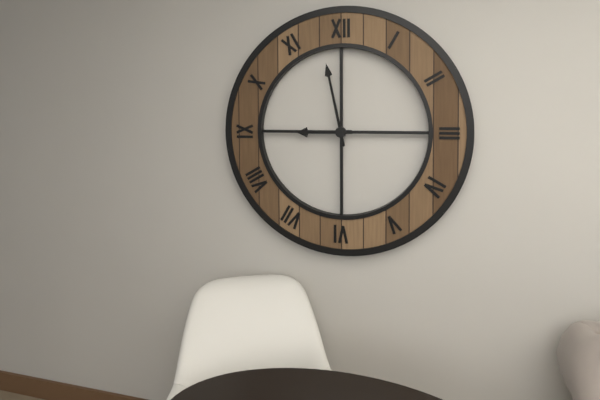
8h58
